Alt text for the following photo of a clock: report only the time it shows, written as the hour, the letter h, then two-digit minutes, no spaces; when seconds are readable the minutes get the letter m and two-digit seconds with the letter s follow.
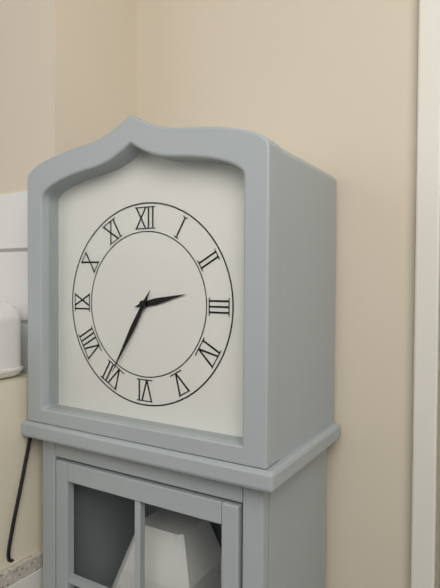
2h35
